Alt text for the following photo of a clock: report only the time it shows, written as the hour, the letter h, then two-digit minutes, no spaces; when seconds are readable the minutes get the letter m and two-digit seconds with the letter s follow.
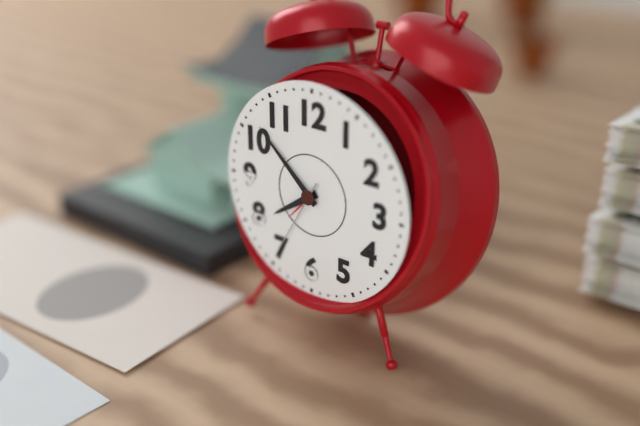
7h52m35s
